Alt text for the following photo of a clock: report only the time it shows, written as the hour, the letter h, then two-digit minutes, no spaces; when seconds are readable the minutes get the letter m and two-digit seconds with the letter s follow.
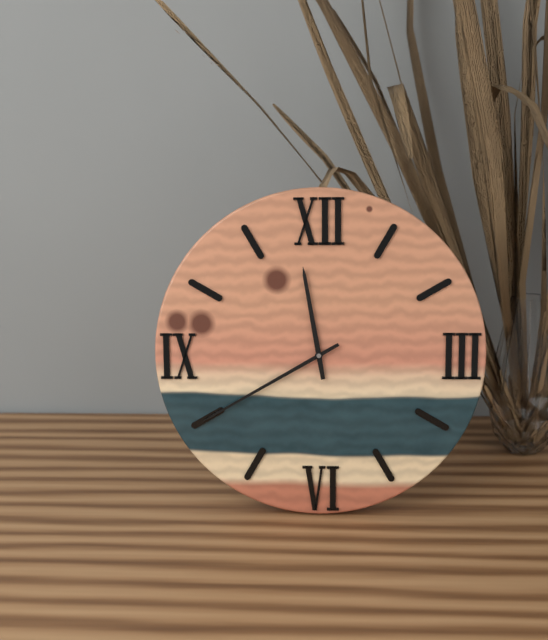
11h40
